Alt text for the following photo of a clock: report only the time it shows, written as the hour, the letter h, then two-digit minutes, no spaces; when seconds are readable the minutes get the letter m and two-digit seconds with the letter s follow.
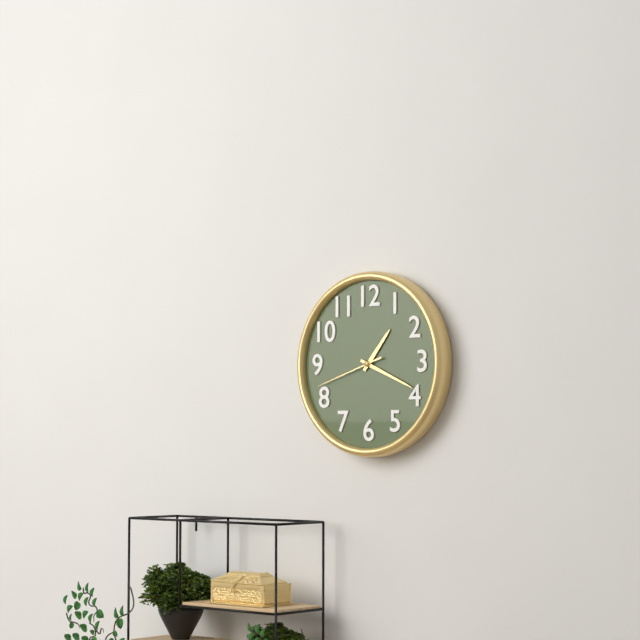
1h19m42s
